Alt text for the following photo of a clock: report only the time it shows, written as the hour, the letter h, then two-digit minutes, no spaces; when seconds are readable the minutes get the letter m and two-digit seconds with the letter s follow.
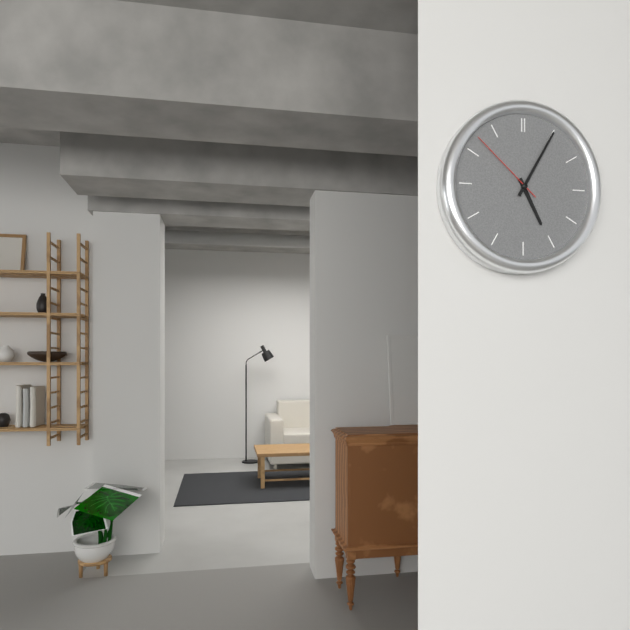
5h05m52s
